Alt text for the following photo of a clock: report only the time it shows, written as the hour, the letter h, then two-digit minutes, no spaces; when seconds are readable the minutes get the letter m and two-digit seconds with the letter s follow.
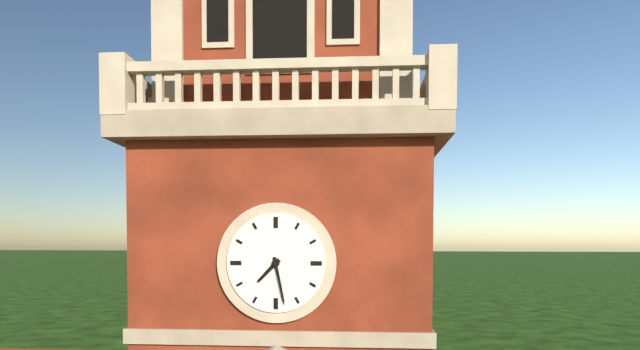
7h28
